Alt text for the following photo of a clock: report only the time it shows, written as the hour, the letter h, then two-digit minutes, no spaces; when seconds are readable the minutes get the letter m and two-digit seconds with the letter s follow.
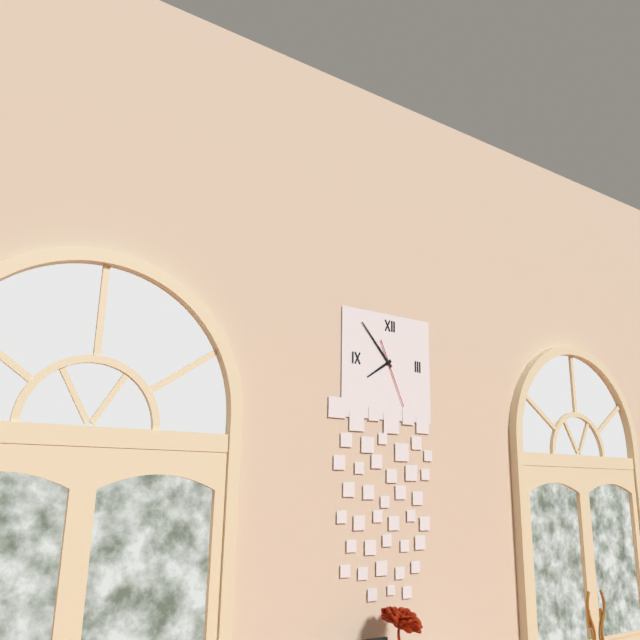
7h53m26s
